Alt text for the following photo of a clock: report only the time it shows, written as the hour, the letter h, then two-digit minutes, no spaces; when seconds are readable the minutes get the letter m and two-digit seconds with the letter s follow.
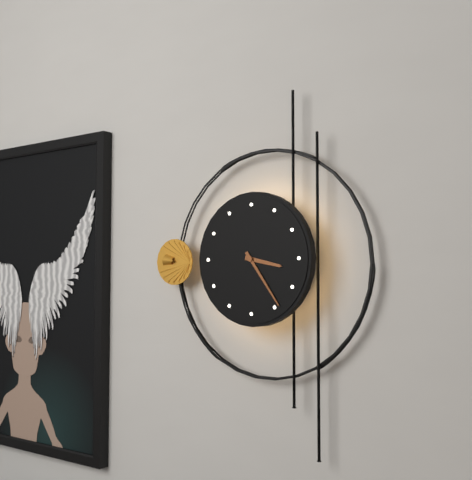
3h24
